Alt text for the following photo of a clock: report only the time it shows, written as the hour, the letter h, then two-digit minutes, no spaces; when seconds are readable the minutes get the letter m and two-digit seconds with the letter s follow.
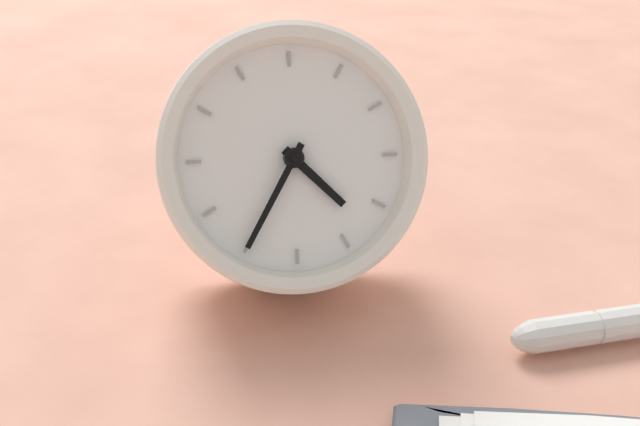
3h30
